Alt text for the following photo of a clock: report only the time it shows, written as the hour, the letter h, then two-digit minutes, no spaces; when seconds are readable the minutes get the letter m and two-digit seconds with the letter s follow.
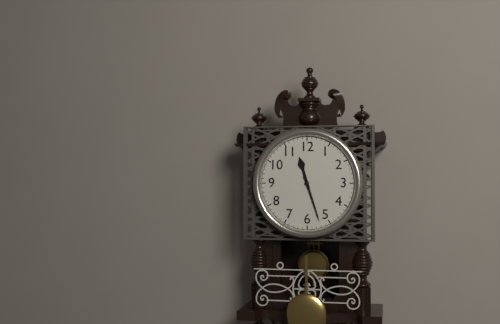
11h27
